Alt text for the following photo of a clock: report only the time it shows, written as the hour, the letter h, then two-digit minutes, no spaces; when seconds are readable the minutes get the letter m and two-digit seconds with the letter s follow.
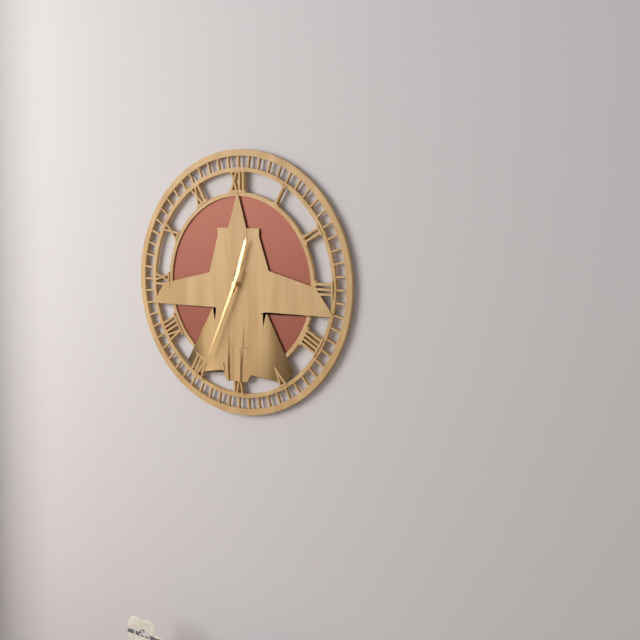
12h34
